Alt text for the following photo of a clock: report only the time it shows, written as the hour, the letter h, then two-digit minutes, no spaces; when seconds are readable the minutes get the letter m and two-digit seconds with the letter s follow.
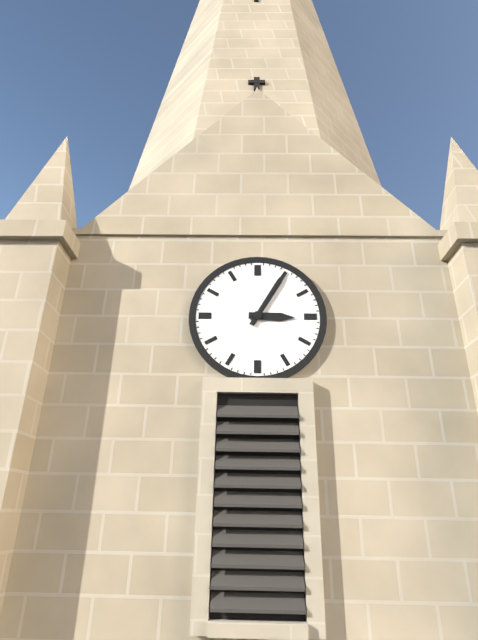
3h05
